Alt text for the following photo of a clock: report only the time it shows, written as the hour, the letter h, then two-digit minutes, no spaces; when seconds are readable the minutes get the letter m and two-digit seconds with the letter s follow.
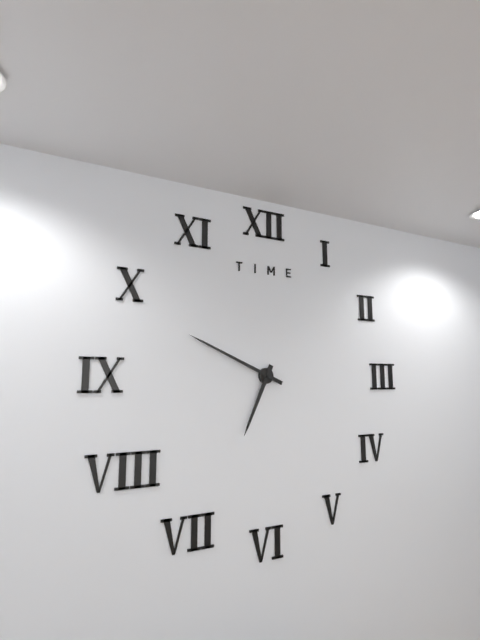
6h49
